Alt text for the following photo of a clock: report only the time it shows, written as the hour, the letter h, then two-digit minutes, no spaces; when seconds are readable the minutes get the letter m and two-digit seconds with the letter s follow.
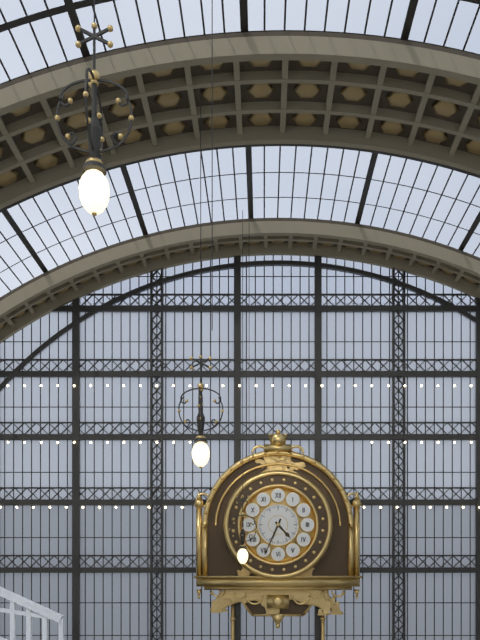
4h34
